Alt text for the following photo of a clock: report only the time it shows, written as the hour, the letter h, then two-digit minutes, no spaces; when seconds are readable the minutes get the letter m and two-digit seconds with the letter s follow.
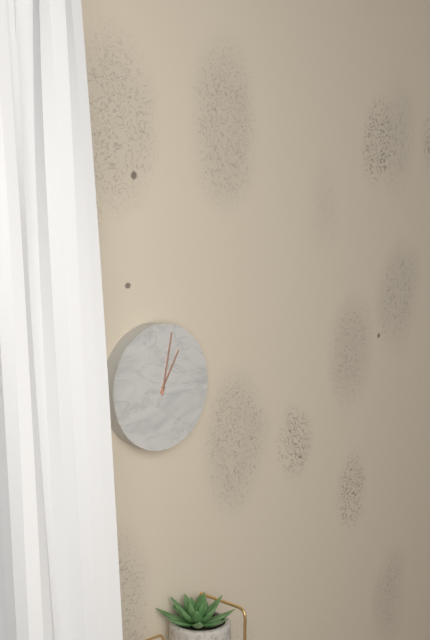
1h02
